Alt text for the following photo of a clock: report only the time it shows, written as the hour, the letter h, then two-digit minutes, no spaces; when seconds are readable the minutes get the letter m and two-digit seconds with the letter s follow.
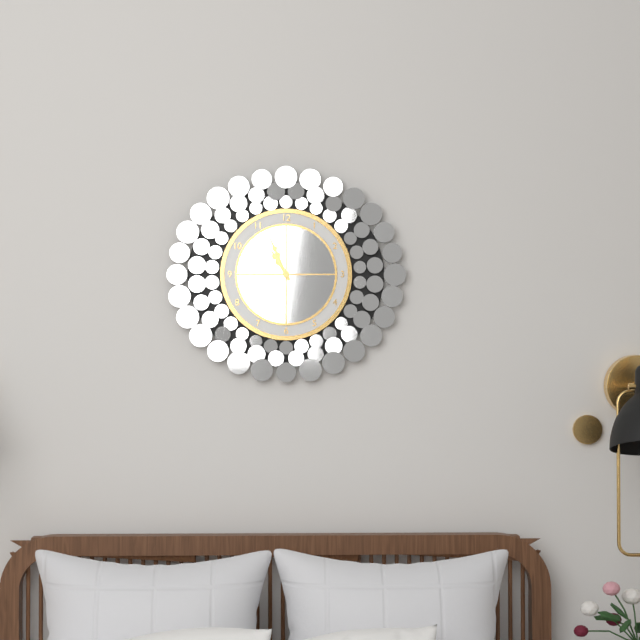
10h56m36s
